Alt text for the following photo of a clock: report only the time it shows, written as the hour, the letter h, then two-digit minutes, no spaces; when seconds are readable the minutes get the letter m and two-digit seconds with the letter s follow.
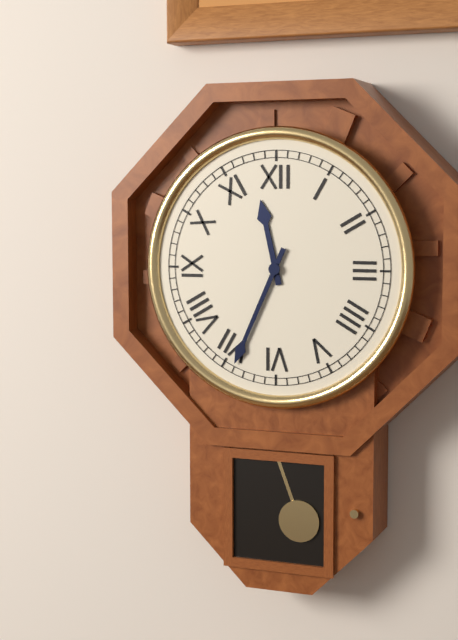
11h34
